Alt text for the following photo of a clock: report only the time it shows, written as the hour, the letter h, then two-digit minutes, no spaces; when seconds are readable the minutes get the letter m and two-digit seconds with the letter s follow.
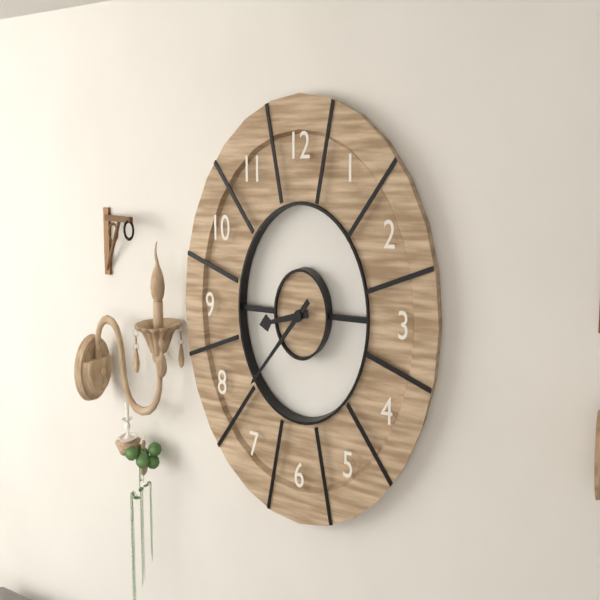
8h38
